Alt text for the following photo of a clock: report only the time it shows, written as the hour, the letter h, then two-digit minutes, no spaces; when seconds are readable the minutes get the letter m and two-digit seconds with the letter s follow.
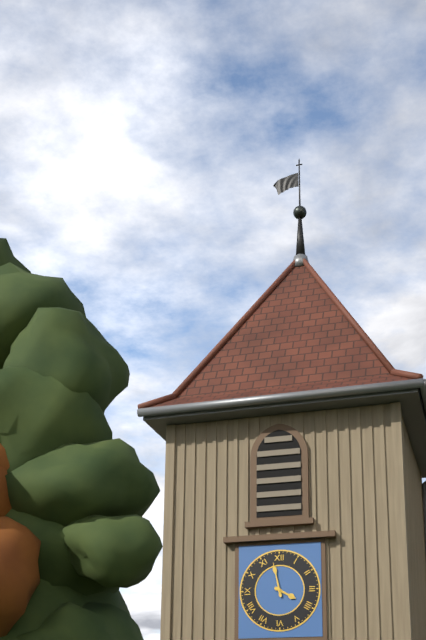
3h58
